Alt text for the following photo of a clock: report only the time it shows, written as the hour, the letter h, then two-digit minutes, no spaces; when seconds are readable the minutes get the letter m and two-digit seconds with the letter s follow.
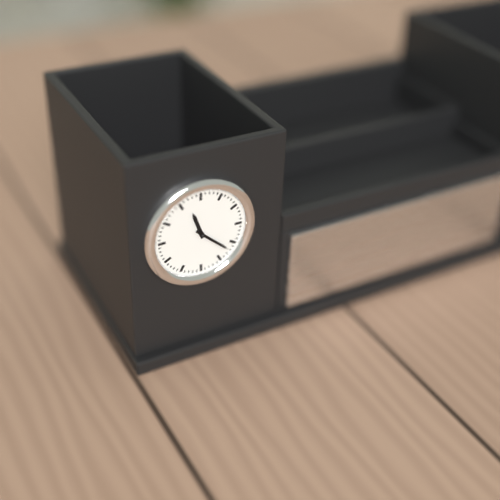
11h22
